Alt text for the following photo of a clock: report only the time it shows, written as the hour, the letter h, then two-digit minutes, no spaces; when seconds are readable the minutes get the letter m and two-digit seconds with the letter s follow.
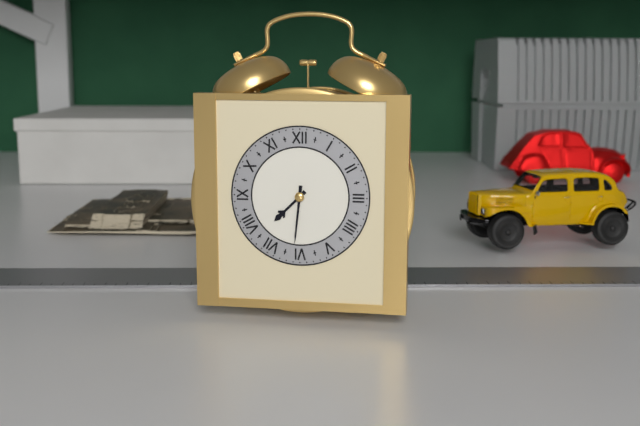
7h31
